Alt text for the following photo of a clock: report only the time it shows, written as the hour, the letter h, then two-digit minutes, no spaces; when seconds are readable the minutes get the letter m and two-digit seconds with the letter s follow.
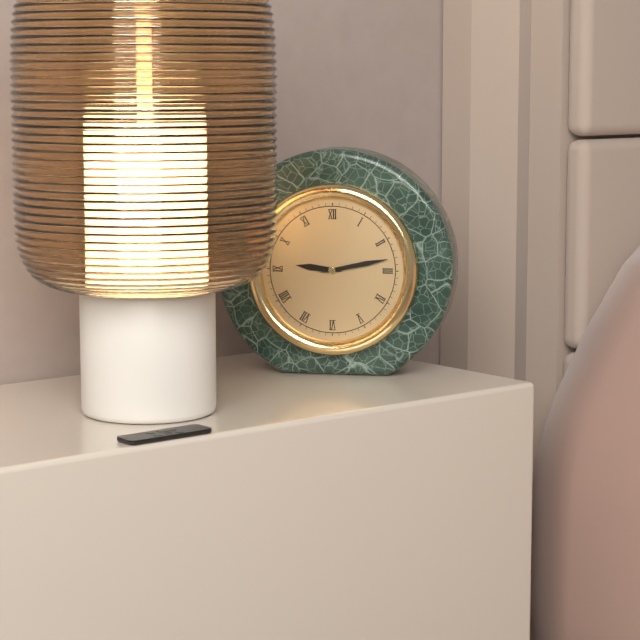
9h13
